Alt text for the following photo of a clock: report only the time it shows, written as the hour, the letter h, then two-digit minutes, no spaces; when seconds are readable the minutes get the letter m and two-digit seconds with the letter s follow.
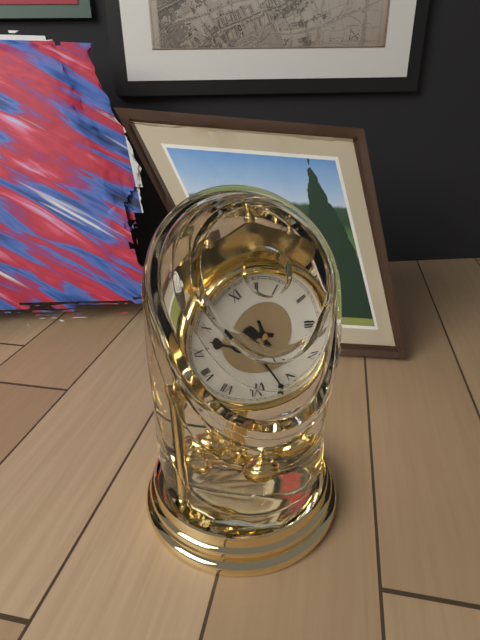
9h27
